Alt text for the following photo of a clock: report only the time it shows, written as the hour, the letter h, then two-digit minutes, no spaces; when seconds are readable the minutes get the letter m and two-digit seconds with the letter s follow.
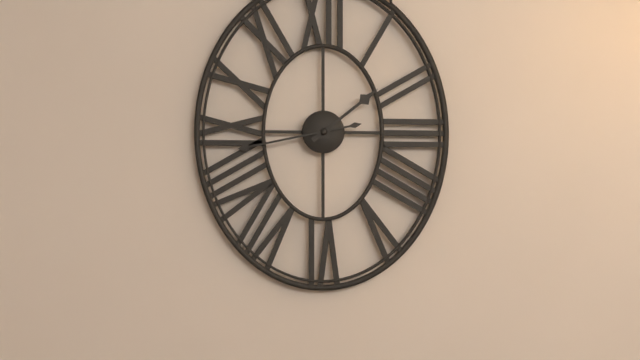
1h43
